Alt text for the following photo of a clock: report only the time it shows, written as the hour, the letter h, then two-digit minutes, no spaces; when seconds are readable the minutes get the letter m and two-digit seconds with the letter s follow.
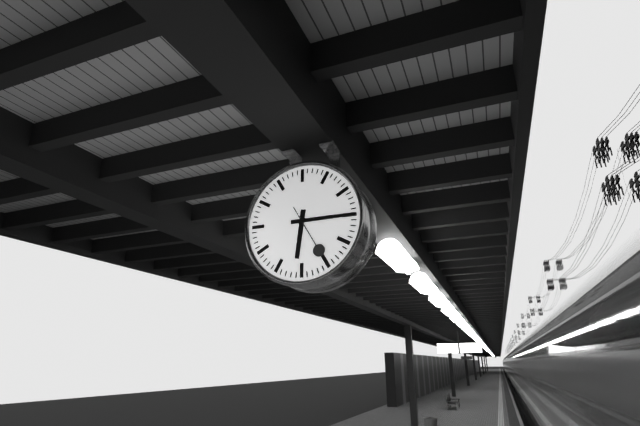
6h15
